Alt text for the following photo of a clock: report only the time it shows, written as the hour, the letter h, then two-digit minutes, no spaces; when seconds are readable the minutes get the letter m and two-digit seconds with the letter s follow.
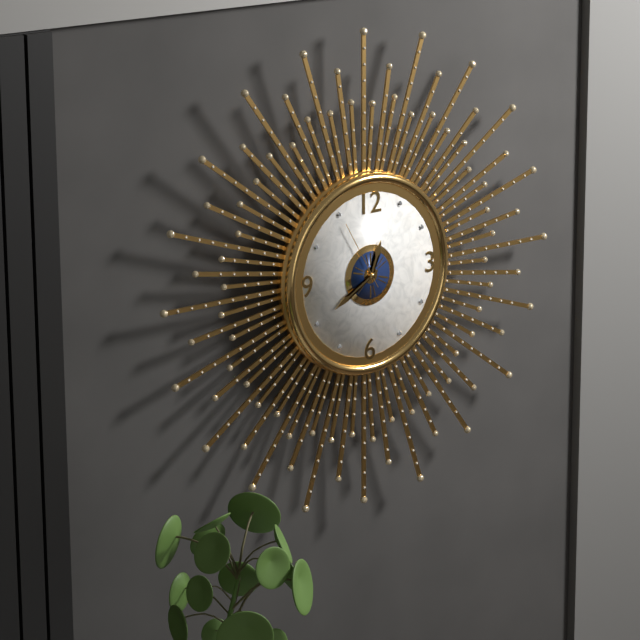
12h40m55s
